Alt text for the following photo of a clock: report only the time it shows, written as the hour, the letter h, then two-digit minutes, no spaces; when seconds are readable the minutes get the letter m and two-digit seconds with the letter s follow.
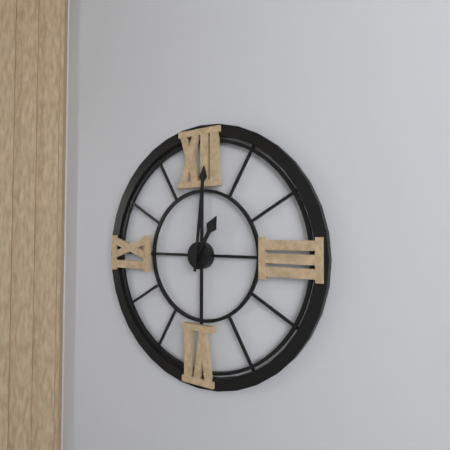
1h01
